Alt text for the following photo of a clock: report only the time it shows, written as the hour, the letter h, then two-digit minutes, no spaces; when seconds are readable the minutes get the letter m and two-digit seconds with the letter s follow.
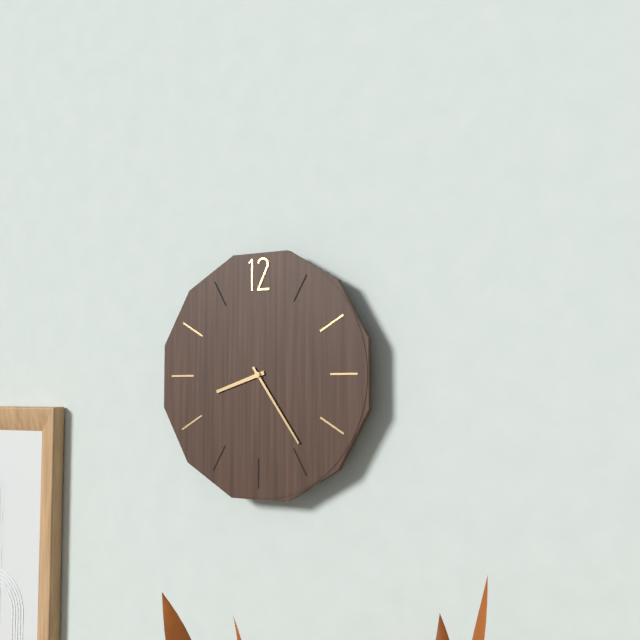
8h24
